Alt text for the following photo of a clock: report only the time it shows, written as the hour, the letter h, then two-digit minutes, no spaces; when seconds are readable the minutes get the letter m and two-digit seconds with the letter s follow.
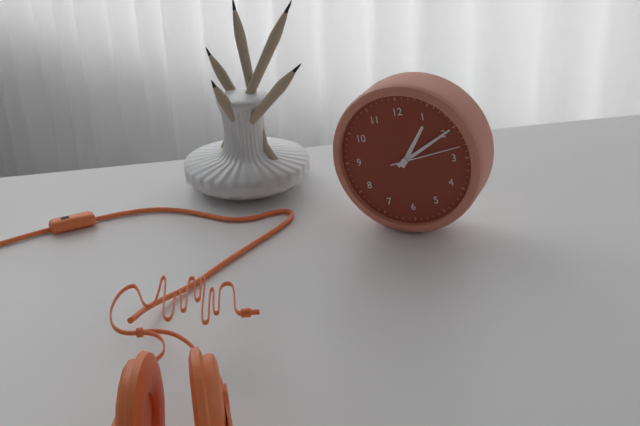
1h10m13s
